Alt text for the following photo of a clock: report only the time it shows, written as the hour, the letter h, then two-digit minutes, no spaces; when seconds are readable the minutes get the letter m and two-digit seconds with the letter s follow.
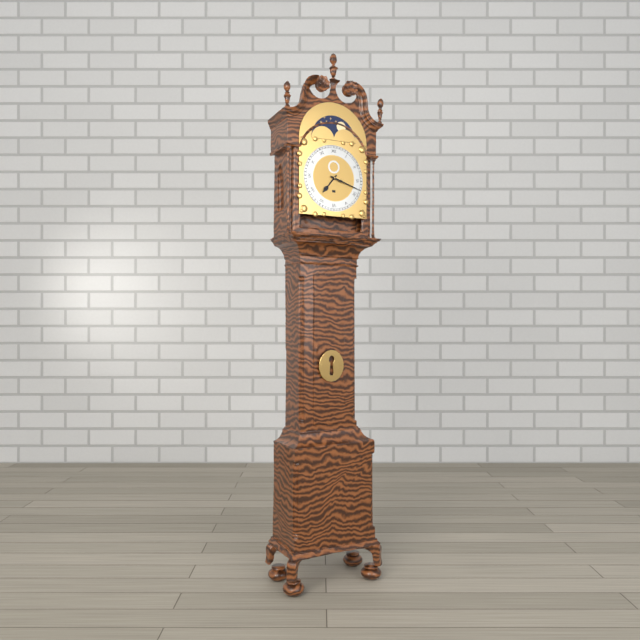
7h18
